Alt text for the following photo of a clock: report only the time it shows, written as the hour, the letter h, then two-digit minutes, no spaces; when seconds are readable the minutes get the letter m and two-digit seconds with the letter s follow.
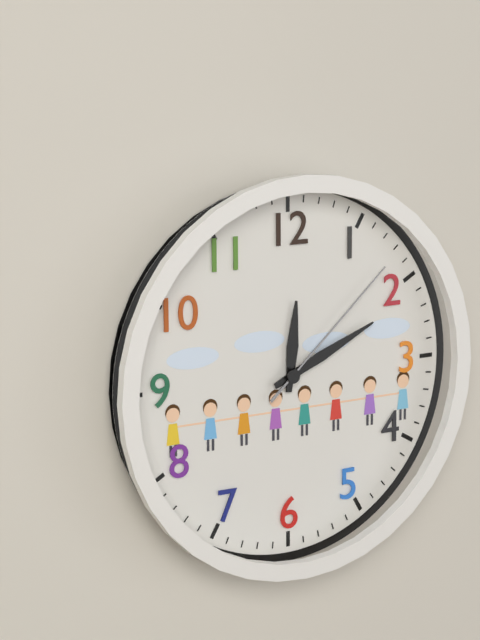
12h11m08s
